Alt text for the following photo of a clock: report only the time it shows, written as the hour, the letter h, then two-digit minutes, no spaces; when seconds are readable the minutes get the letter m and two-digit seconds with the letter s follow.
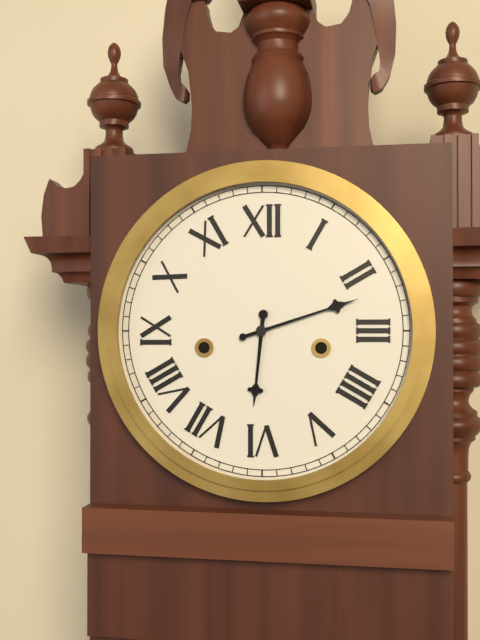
6h12
